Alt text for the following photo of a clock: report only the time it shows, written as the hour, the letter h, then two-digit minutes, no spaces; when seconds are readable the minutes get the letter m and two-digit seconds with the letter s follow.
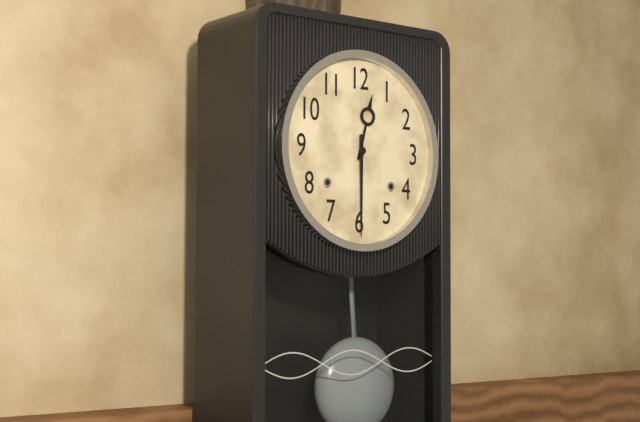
12h30
